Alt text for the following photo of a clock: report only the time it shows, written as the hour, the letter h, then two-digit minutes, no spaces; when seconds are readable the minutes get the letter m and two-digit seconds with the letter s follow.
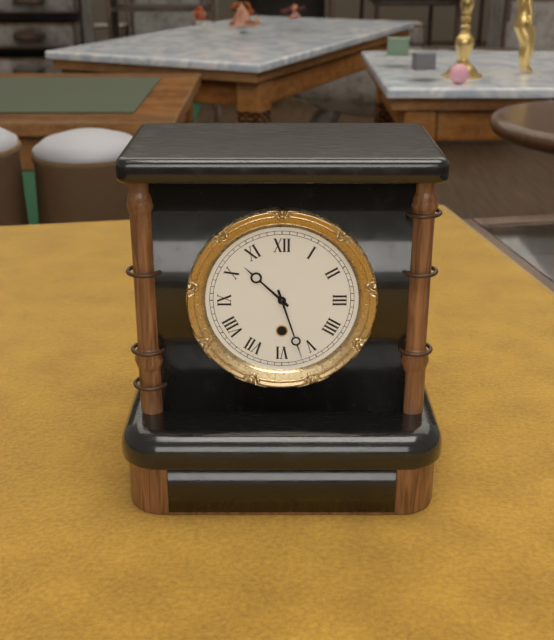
10h27
